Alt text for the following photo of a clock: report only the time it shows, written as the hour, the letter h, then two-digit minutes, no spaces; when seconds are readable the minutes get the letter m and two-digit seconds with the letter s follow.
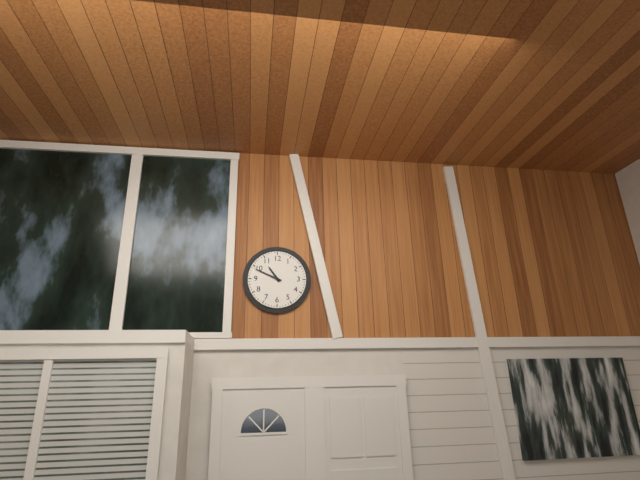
10h49
